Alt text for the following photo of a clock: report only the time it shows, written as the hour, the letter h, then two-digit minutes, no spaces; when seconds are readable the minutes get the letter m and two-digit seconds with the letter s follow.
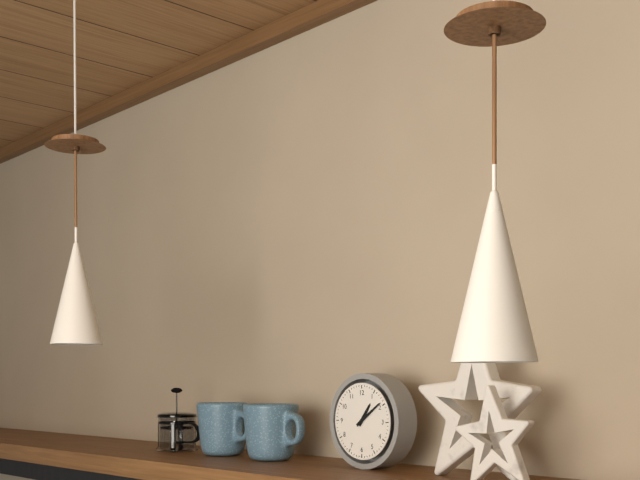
1h09
